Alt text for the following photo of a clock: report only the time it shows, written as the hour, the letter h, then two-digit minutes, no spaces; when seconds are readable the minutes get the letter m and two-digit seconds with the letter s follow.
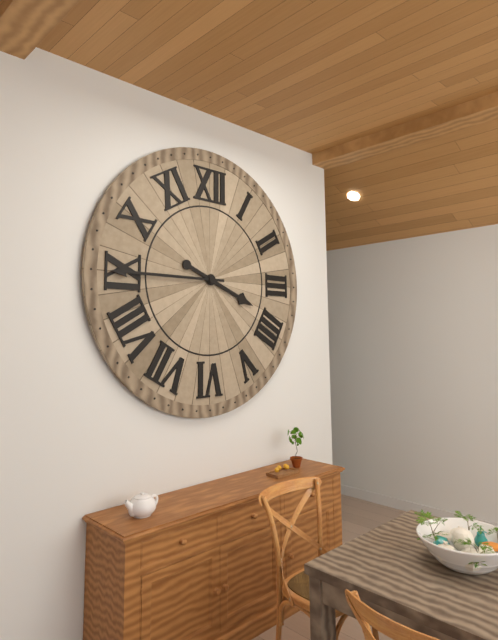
3h45
